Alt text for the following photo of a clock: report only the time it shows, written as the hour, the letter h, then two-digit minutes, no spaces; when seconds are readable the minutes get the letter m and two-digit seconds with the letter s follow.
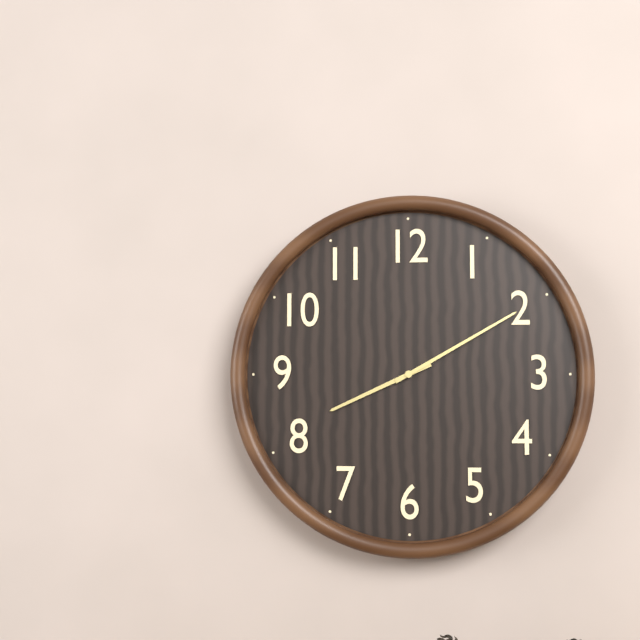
8h10
